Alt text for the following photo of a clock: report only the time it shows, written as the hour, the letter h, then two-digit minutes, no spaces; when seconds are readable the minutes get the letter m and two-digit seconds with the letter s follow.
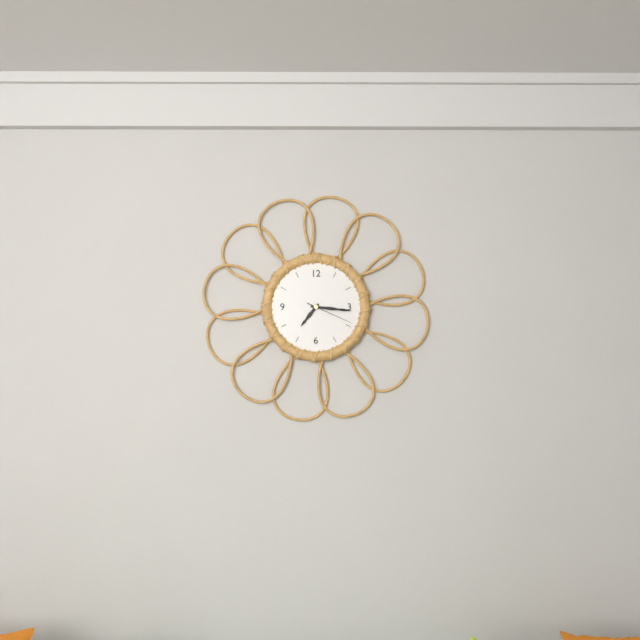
7h16
